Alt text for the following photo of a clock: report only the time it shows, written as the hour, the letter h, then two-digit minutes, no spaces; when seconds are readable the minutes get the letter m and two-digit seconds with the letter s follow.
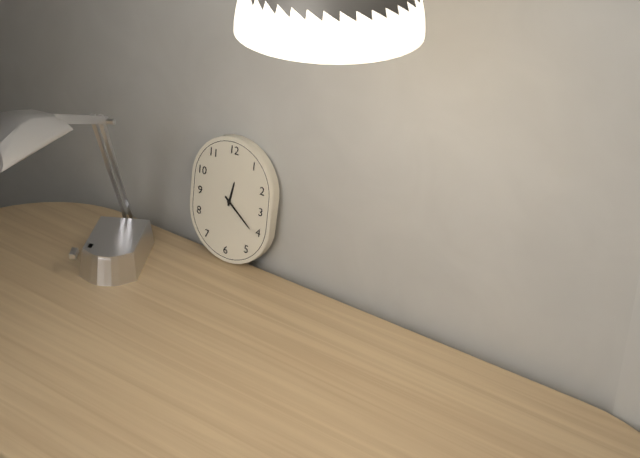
12h21
